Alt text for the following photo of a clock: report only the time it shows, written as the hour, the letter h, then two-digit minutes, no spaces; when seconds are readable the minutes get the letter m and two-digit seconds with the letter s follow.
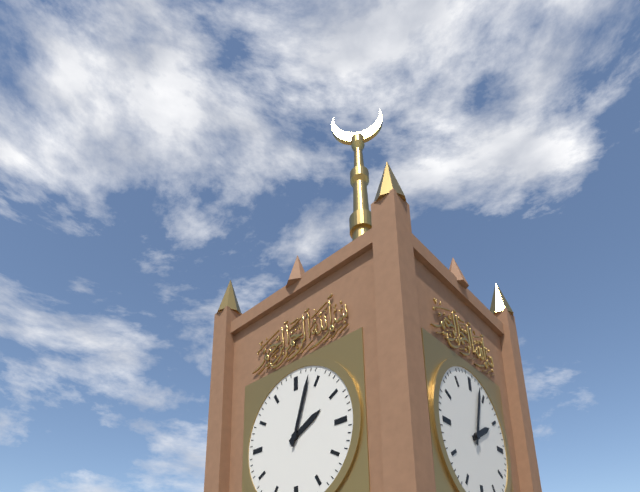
2h03
